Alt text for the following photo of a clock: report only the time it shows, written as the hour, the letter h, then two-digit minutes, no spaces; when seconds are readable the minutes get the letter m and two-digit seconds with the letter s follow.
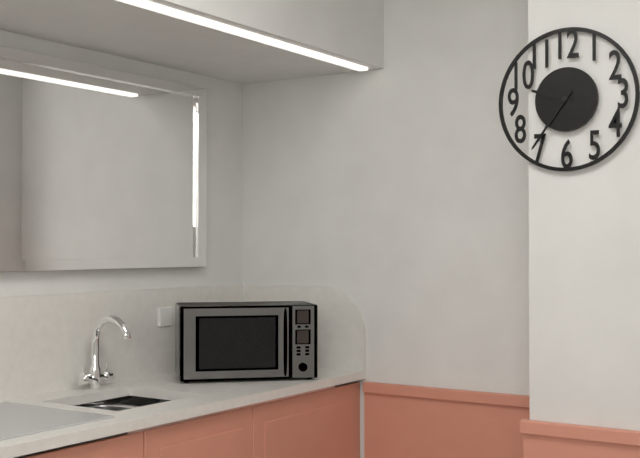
9h36
